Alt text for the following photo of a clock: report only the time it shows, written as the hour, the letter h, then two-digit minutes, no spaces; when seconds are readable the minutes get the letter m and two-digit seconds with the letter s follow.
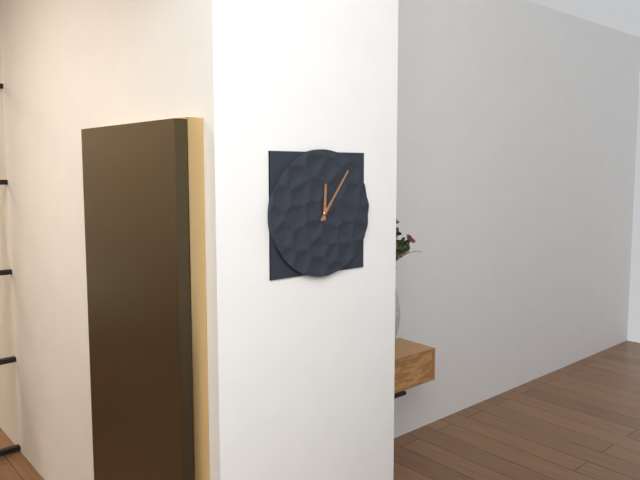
12h06
